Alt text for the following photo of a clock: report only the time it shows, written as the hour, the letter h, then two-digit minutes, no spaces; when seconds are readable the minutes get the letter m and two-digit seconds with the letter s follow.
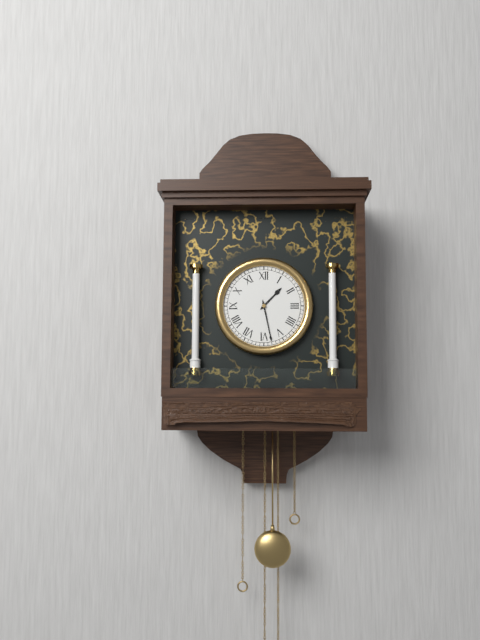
1h28
